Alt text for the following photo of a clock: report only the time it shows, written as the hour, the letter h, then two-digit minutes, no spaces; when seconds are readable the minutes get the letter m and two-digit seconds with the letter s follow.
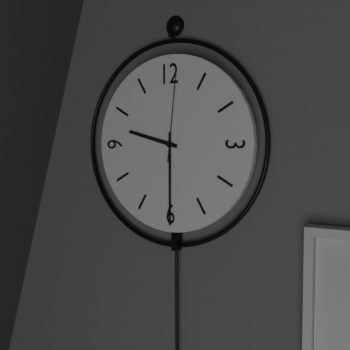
9h30m01s
